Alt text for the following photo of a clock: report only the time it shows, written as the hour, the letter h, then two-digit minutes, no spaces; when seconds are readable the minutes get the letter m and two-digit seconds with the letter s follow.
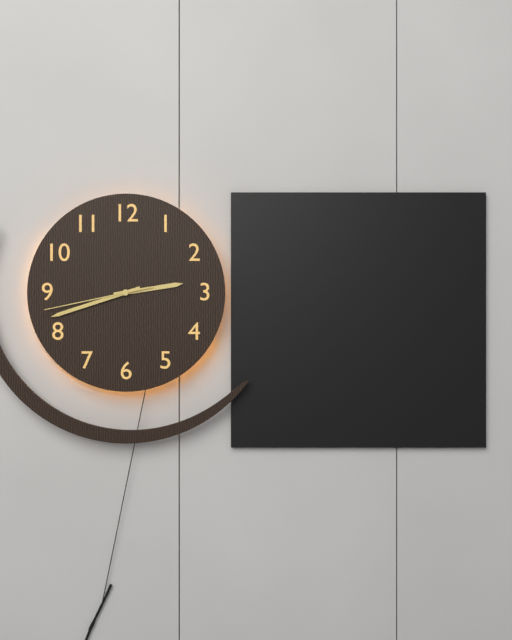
2h42m43s
